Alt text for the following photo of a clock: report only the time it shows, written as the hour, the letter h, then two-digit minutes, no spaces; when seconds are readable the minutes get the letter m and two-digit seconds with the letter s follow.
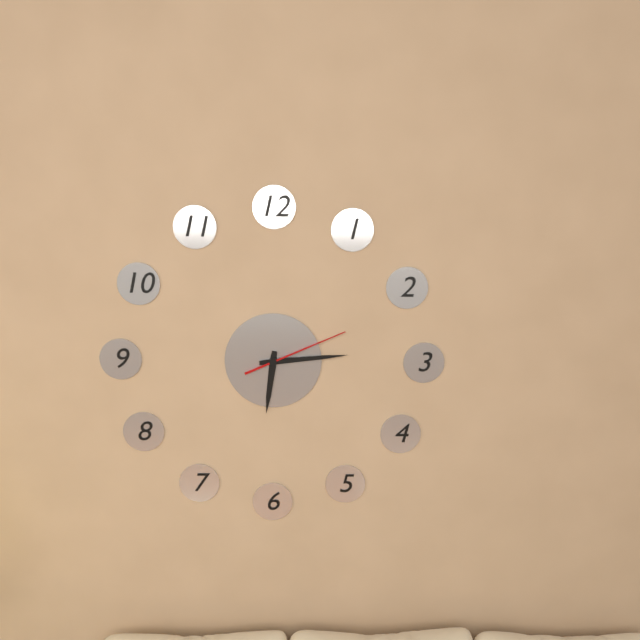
6h14m11s
